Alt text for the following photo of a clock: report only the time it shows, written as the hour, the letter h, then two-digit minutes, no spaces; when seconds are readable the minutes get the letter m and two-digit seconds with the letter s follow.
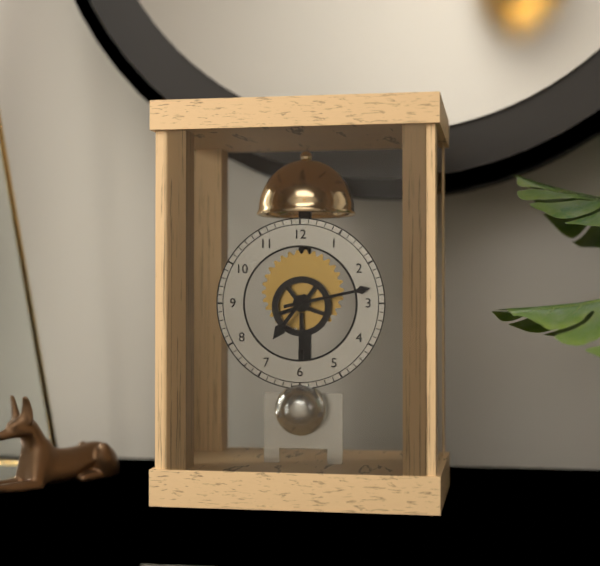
7h13
